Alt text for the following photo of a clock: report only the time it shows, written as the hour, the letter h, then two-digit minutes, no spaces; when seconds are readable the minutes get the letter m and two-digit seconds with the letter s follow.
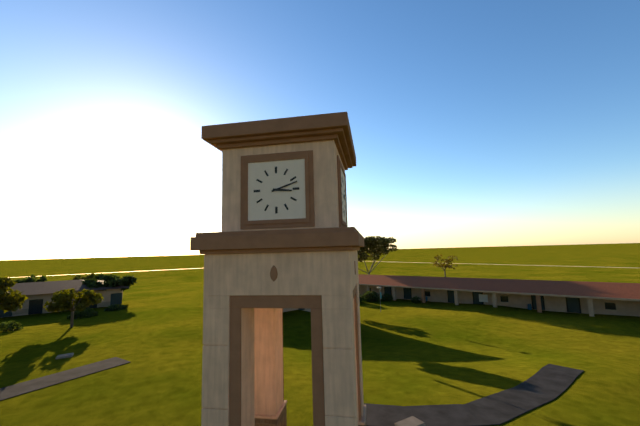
3h12
